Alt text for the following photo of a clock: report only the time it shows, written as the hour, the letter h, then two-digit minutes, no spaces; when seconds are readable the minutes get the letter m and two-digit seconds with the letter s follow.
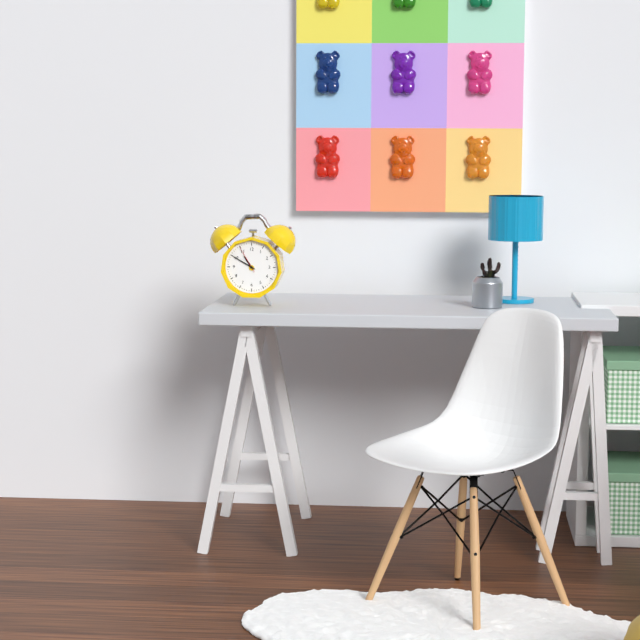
10h50
